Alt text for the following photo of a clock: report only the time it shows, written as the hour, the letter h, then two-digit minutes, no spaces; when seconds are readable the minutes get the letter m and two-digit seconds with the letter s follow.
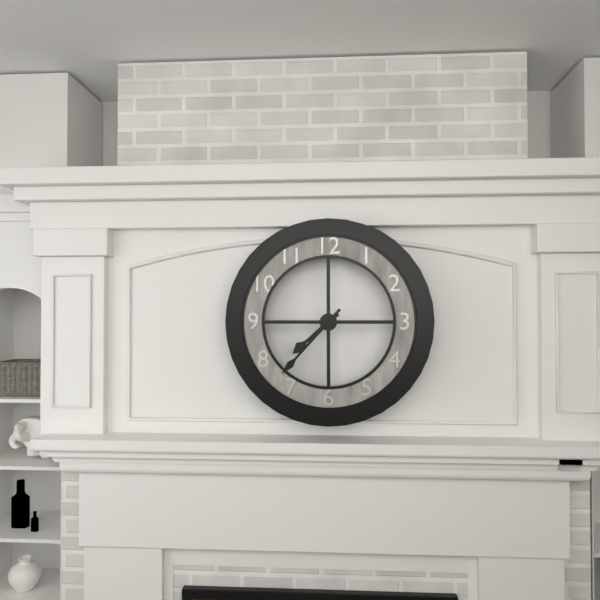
7h37
